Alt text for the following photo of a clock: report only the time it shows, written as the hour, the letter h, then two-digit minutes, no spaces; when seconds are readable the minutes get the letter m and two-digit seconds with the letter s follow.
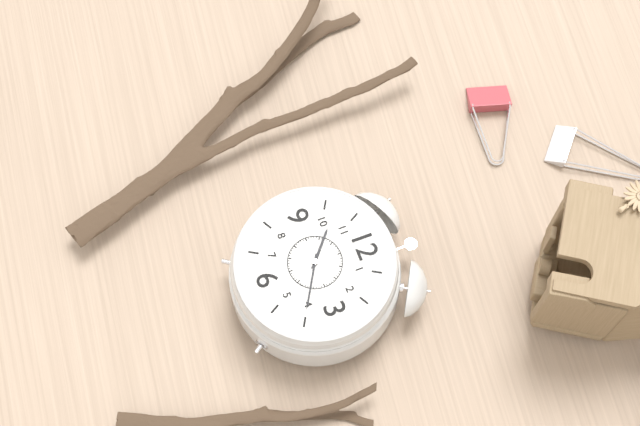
10h20
